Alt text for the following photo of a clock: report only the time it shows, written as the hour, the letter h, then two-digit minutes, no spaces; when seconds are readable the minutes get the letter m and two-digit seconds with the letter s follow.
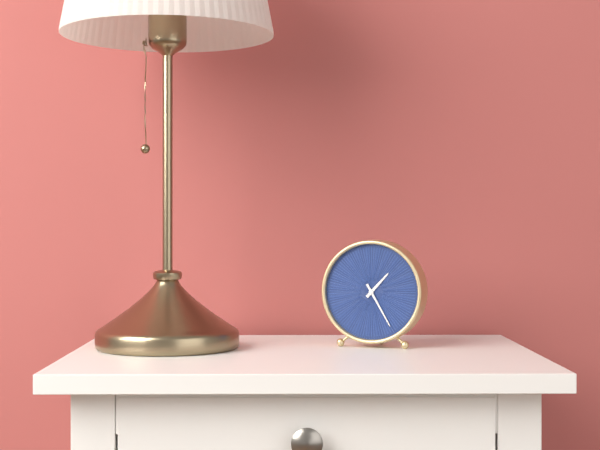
1h25
